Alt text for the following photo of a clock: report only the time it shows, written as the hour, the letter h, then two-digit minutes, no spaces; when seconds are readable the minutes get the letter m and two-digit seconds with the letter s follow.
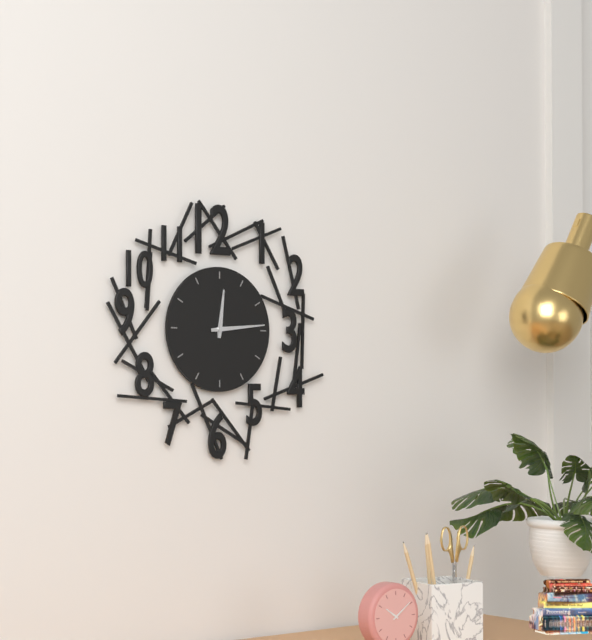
12h14
